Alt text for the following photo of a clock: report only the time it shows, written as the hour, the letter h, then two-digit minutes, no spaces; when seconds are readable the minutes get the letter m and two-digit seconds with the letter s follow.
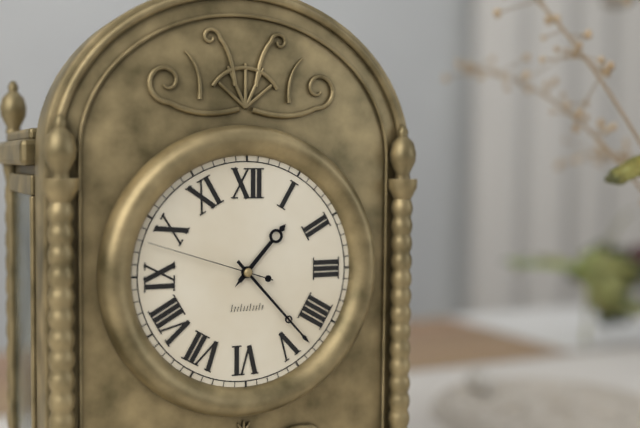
1h23m48s
